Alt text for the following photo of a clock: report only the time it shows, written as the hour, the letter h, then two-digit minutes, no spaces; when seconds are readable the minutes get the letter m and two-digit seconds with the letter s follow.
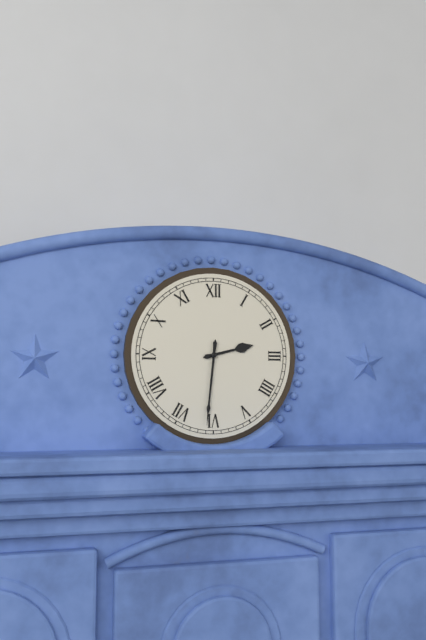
2h31
